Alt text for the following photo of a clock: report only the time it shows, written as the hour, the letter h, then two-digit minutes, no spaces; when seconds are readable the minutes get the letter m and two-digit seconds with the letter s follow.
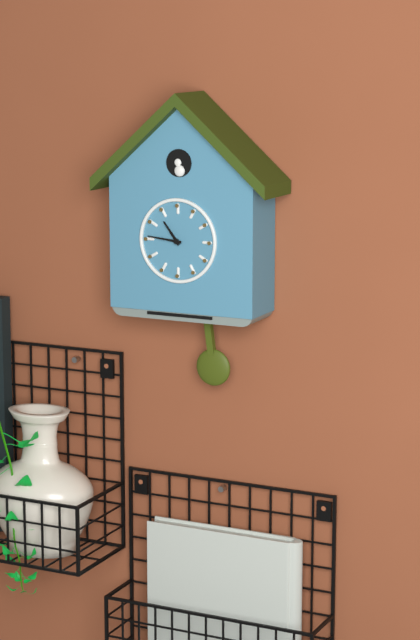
10h46
